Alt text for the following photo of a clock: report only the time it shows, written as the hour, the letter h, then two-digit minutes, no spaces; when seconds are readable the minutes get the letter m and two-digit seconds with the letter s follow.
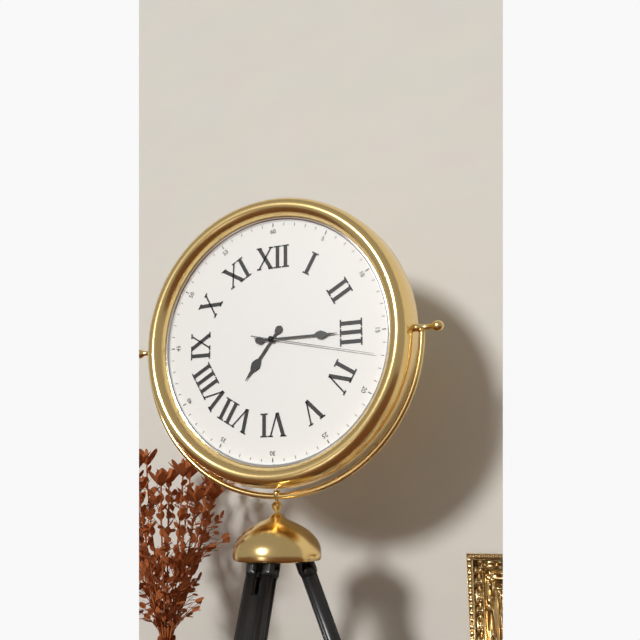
7h15m17s
